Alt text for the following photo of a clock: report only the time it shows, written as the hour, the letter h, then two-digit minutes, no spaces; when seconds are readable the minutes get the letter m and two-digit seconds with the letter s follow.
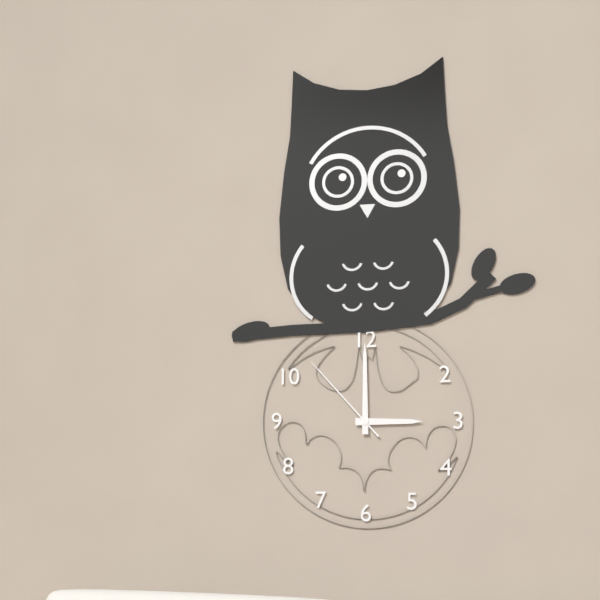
3h00m53s
